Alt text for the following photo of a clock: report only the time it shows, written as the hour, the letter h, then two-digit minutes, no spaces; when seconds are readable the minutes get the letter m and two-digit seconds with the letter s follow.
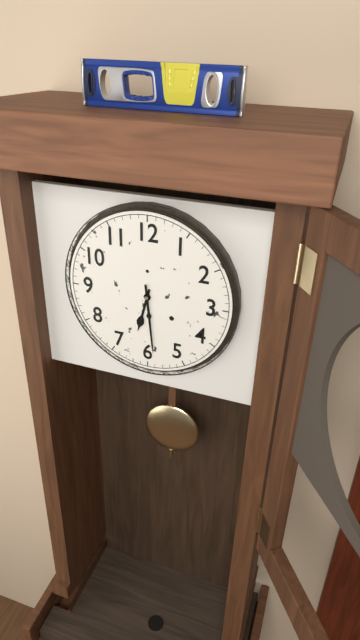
6h29
